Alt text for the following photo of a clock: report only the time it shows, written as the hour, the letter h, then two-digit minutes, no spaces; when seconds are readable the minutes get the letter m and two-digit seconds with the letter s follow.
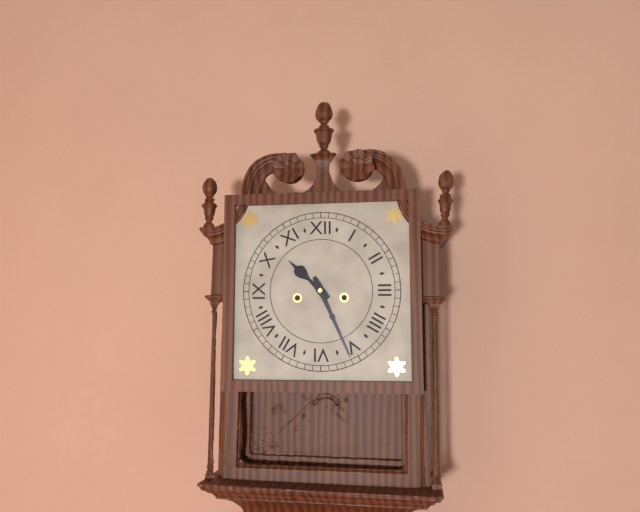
10h26
